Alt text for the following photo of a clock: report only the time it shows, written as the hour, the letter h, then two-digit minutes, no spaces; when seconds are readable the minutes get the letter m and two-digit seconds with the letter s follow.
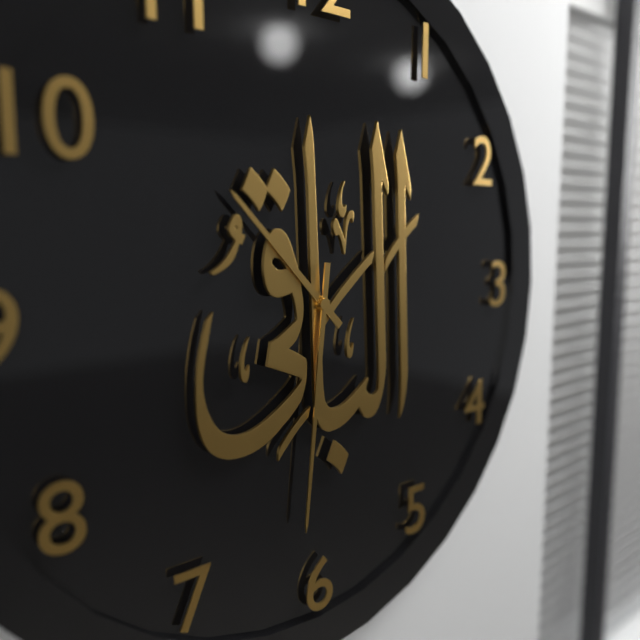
10h31
